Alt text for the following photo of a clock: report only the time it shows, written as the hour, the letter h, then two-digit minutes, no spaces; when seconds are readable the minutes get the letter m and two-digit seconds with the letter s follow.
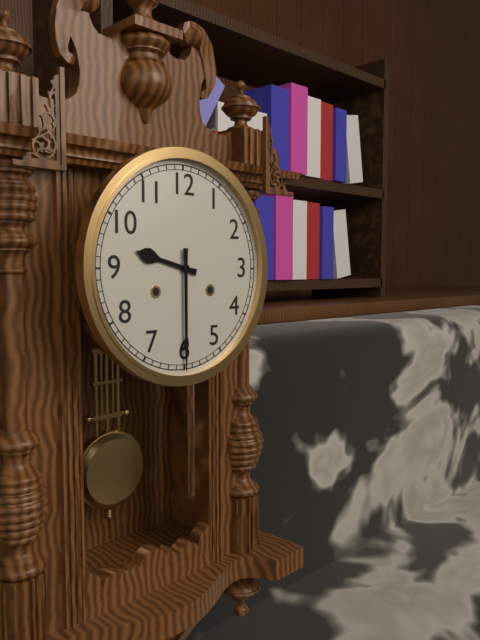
9h30
